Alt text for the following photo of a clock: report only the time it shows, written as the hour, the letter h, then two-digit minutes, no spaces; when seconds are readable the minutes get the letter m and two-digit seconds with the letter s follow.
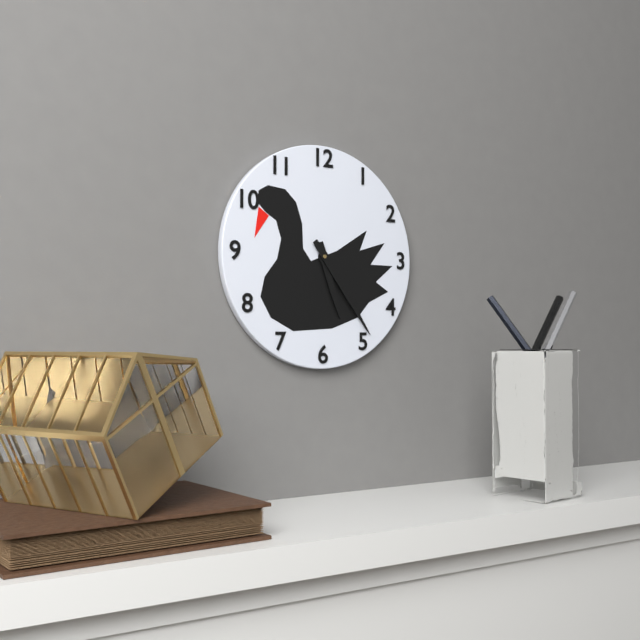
5h24
